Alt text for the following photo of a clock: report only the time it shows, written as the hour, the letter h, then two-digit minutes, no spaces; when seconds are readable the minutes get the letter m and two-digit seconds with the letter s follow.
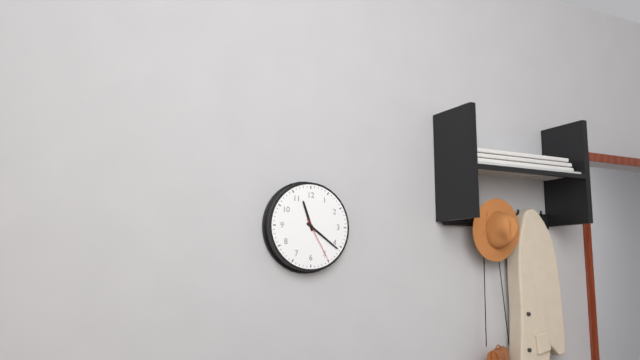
11h21
